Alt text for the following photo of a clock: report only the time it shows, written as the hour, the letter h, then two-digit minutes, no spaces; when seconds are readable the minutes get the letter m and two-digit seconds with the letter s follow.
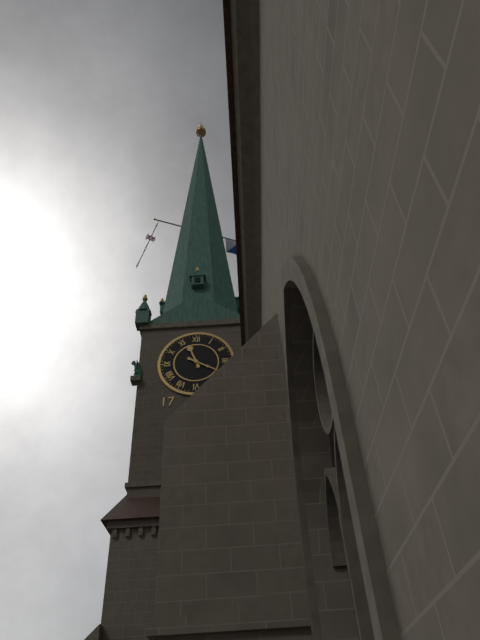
11h20
